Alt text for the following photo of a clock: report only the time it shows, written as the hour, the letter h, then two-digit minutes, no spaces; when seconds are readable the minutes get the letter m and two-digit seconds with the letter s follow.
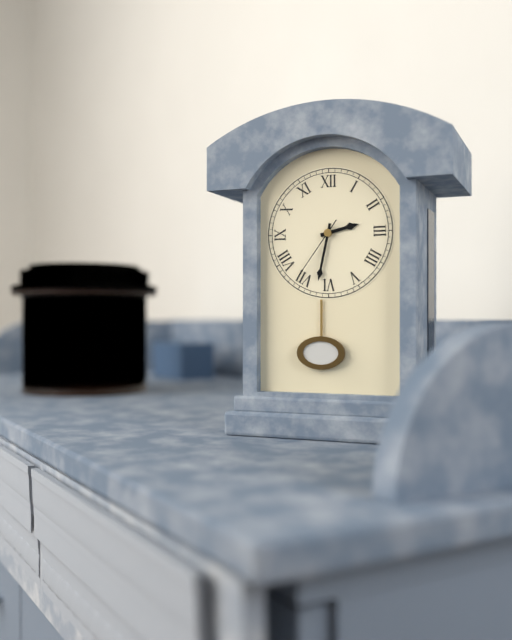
2h32m36s
